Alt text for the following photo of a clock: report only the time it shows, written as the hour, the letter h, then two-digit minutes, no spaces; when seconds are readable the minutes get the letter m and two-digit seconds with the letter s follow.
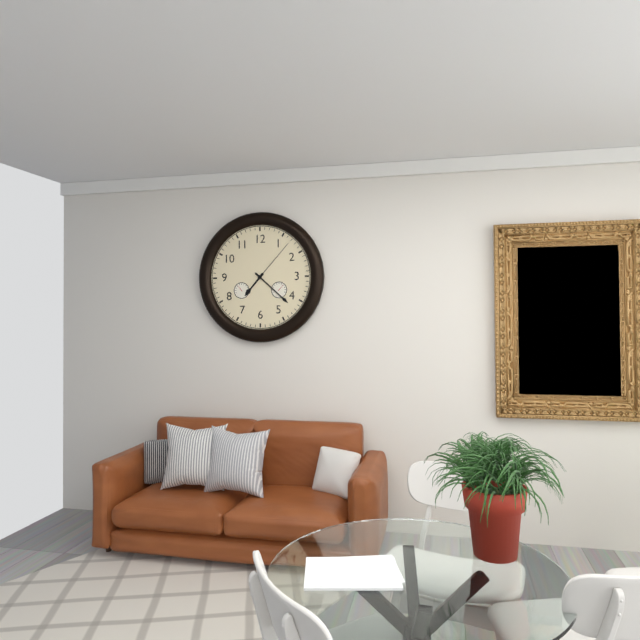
7h22m07s
